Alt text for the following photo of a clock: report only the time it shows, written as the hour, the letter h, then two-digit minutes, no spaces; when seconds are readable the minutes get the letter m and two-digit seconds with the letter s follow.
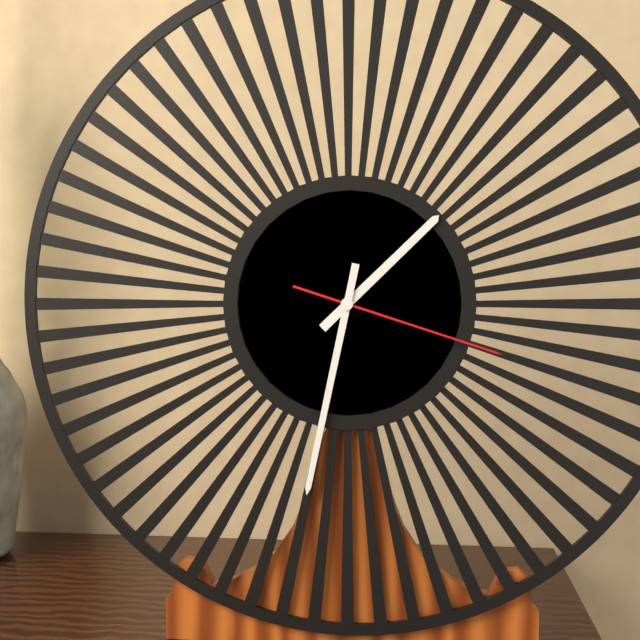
1h32m18s
